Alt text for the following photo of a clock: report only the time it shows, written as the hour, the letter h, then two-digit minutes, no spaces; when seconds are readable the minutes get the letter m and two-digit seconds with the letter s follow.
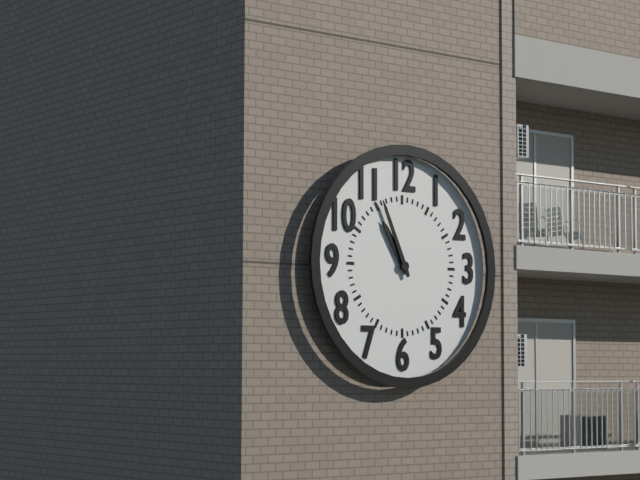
10h56
